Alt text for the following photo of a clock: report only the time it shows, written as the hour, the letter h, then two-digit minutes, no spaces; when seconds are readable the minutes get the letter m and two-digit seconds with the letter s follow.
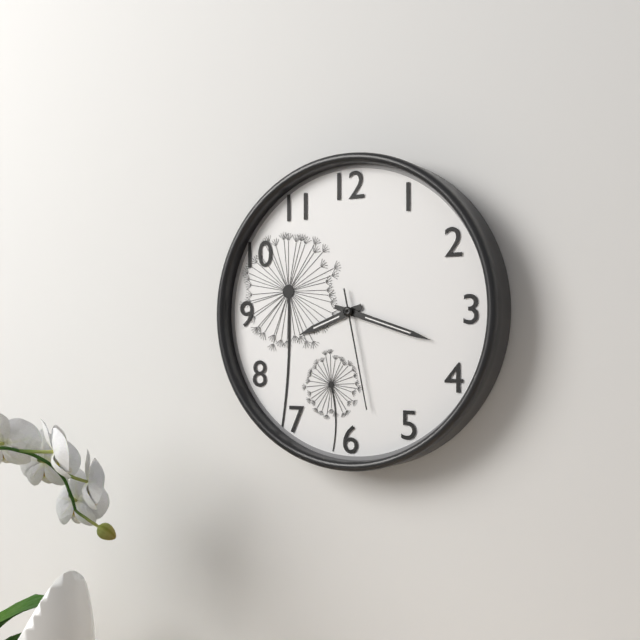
8h18m28s
